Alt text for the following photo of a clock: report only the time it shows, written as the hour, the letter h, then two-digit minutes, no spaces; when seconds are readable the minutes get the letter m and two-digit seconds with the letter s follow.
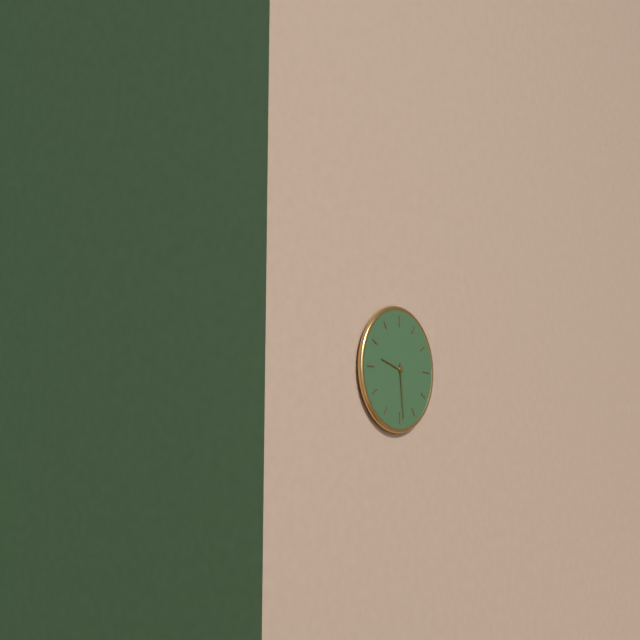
9h29
